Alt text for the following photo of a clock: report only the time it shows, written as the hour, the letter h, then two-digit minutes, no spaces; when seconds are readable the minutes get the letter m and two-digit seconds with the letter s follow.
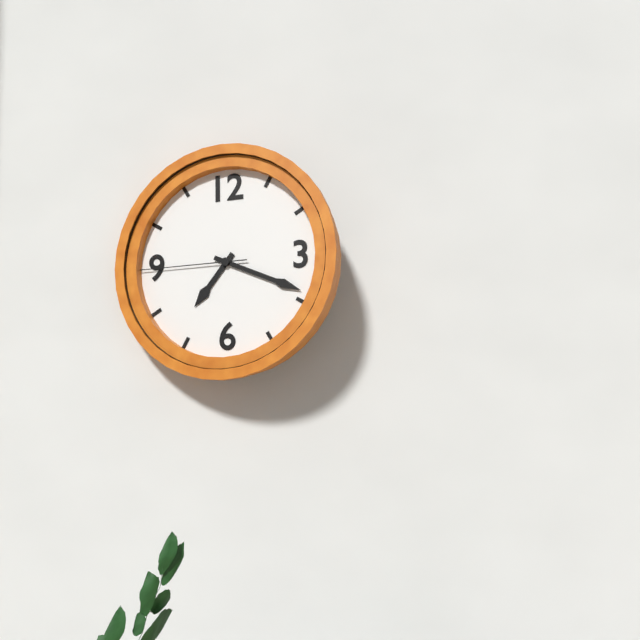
7h19m45s
